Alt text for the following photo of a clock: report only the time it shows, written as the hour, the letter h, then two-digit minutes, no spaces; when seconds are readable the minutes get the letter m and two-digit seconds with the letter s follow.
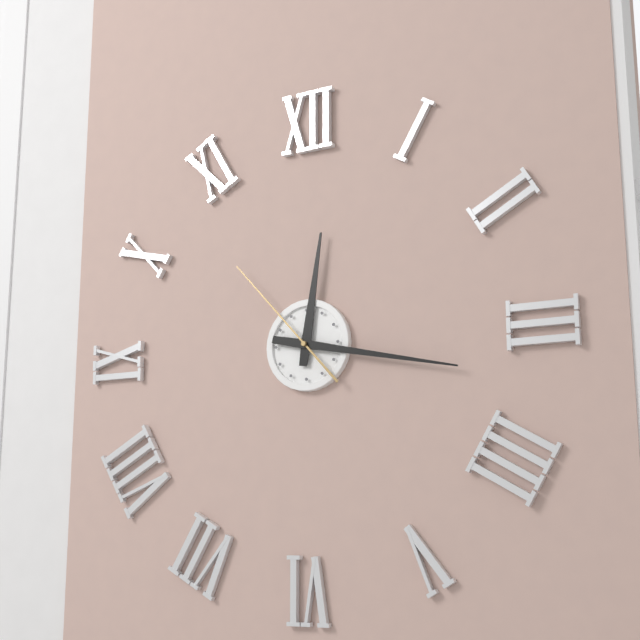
12h17m53s
